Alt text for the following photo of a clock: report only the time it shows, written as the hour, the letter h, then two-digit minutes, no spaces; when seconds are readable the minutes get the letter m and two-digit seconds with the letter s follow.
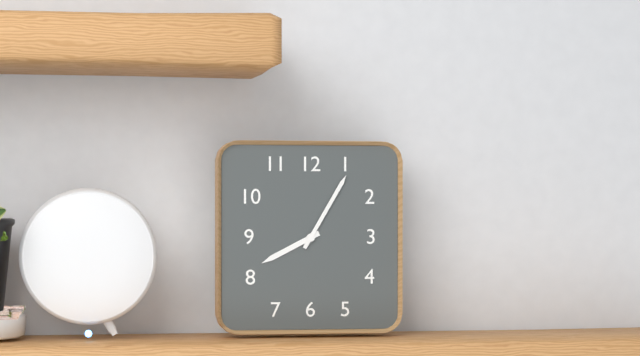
8h05
